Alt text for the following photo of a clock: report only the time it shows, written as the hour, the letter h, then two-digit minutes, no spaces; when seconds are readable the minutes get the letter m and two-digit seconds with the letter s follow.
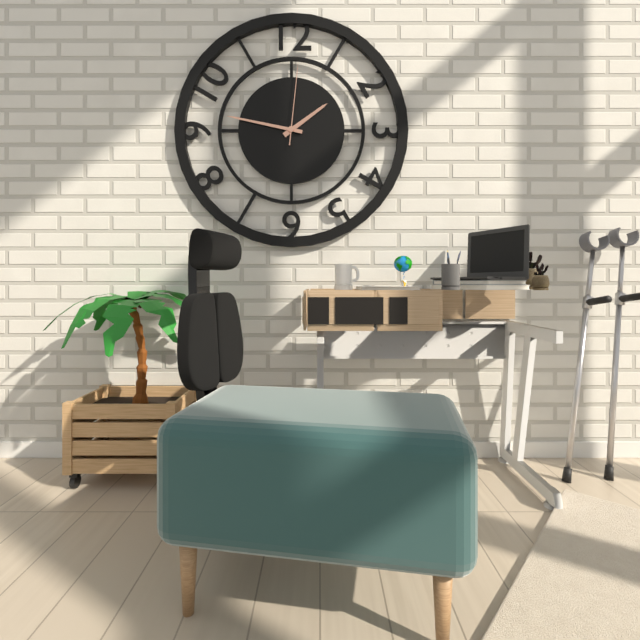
1h47m01s
